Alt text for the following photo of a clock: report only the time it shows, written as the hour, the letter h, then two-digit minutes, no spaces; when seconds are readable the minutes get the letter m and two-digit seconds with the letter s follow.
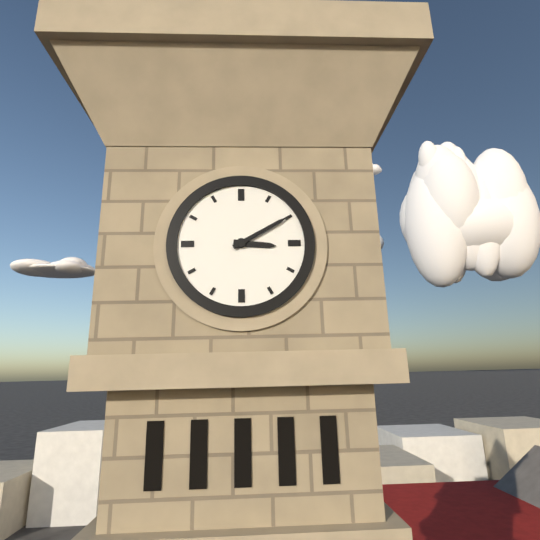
3h10
